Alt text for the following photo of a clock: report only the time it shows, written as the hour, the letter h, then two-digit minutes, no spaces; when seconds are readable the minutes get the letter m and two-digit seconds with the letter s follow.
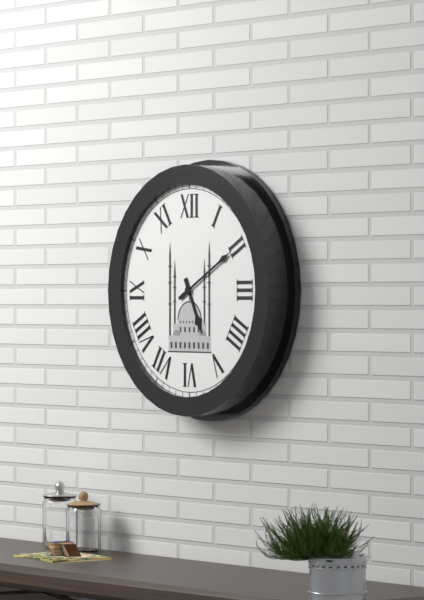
5h10
